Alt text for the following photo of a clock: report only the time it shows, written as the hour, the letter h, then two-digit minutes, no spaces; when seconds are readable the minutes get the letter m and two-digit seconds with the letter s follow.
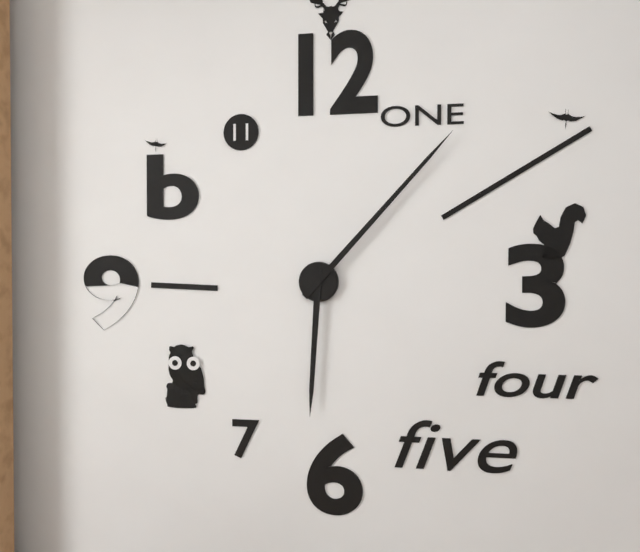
6h07
